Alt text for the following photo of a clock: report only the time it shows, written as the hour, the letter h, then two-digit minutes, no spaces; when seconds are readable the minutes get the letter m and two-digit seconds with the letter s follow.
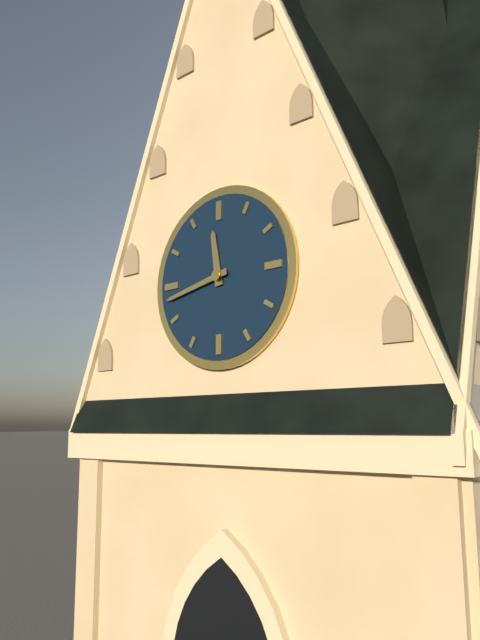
11h43
